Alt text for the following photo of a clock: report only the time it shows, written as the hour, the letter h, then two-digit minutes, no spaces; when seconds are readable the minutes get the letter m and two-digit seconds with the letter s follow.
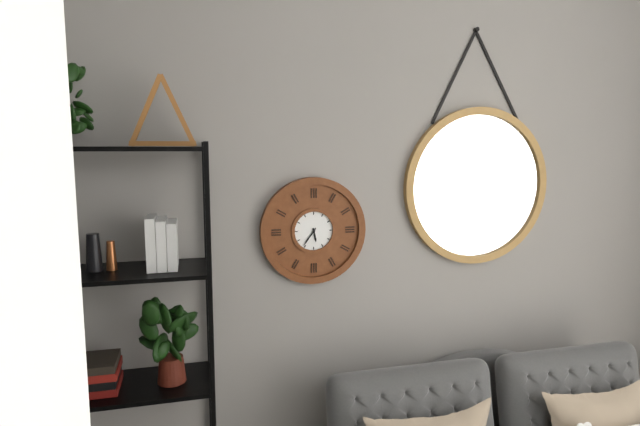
5h36
